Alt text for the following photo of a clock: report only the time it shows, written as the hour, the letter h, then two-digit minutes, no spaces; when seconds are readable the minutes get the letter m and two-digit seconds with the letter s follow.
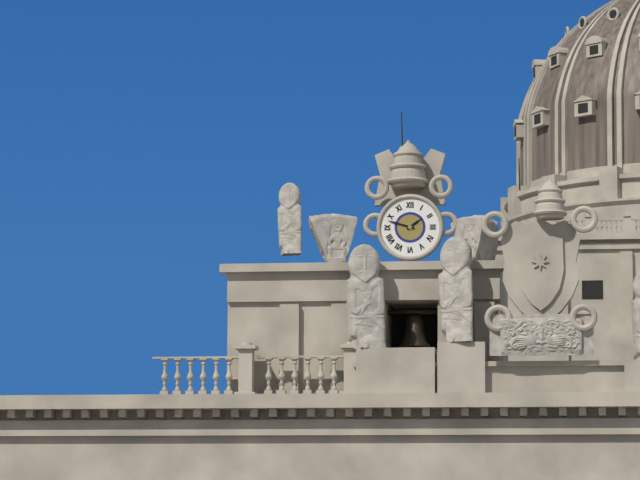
1h48
